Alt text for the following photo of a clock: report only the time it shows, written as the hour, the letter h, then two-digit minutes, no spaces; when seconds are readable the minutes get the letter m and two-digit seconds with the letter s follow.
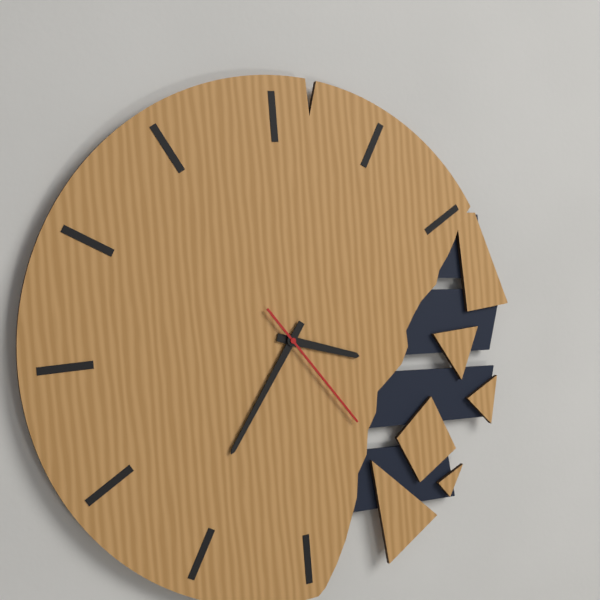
3h36m24s
